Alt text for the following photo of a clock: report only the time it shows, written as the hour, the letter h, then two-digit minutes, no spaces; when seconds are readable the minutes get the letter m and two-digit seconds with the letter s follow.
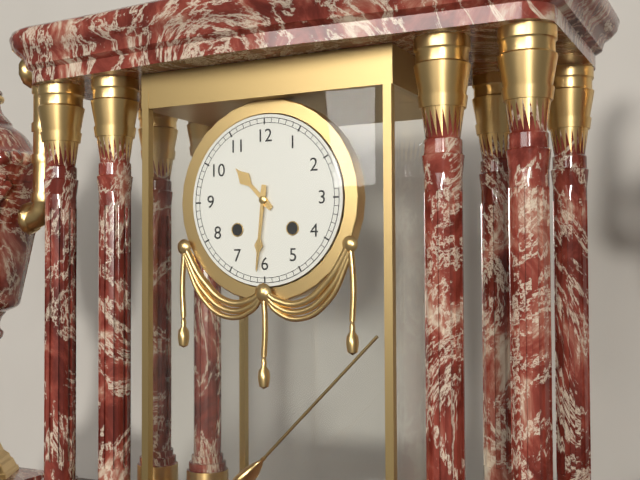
10h31
